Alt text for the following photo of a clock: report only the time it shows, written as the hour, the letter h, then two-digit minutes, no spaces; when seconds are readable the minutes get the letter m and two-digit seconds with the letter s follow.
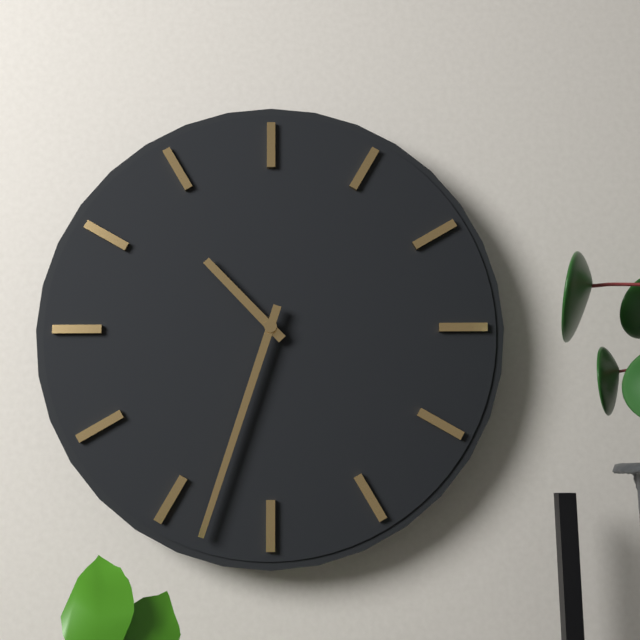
10h33
